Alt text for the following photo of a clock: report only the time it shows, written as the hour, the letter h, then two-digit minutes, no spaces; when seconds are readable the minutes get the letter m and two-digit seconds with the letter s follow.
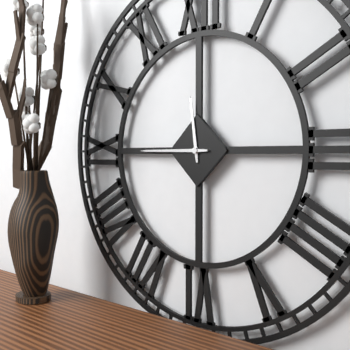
11h45
